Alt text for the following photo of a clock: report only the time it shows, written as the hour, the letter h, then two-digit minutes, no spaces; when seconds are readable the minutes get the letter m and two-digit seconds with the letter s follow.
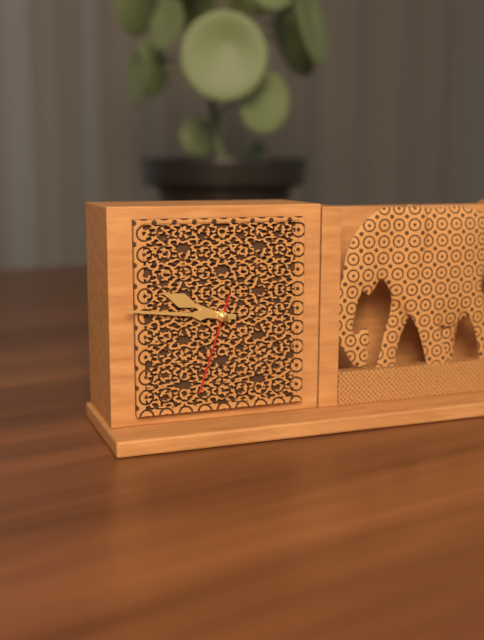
9h46m33s
